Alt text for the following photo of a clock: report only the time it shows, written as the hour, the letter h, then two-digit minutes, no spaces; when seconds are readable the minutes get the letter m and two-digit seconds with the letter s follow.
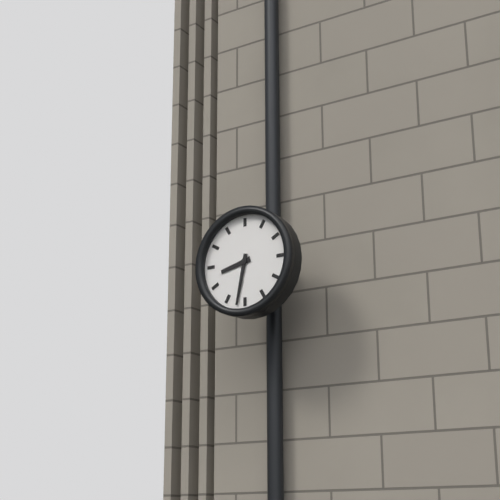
8h32
